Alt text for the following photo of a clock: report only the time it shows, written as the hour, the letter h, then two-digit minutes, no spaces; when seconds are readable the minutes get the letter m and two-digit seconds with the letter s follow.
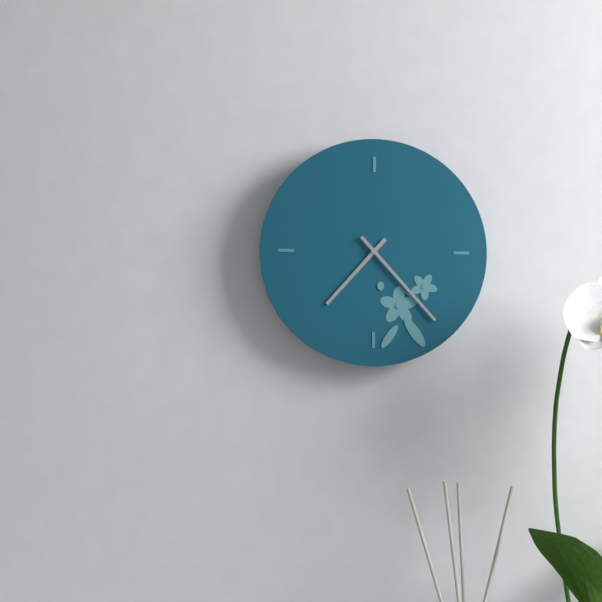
7h23
